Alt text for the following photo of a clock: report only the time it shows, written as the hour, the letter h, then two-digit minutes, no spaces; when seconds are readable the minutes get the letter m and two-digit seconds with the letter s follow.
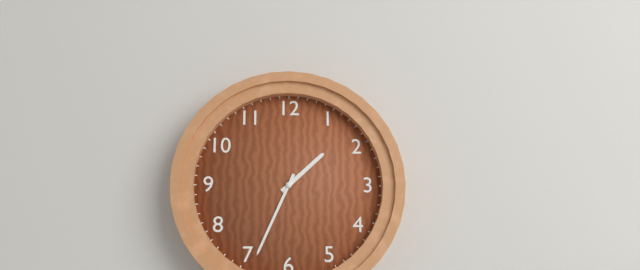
1h34
